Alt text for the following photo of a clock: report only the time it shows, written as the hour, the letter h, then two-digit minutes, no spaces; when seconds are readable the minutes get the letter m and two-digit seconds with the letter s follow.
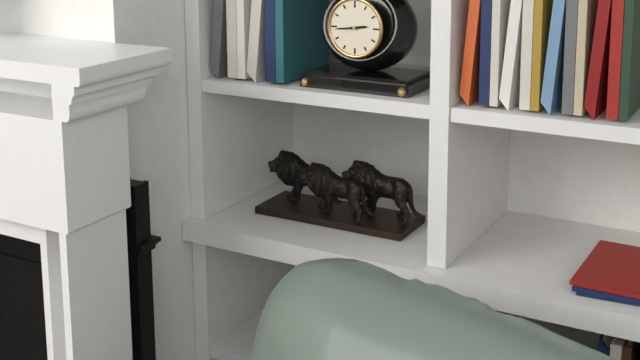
2h44
